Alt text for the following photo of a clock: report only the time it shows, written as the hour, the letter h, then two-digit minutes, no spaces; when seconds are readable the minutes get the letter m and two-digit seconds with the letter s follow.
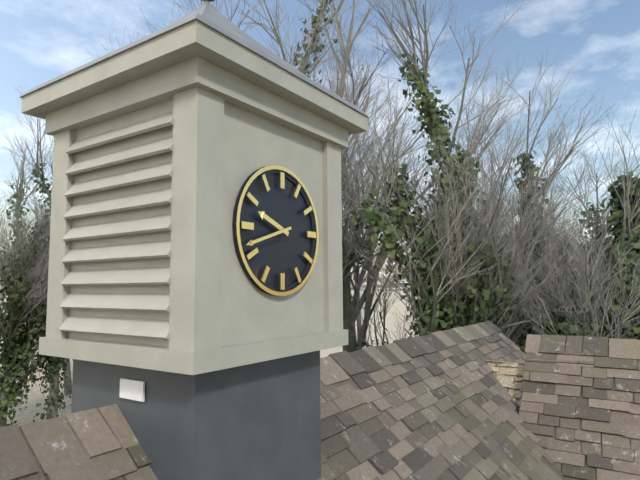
9h42
